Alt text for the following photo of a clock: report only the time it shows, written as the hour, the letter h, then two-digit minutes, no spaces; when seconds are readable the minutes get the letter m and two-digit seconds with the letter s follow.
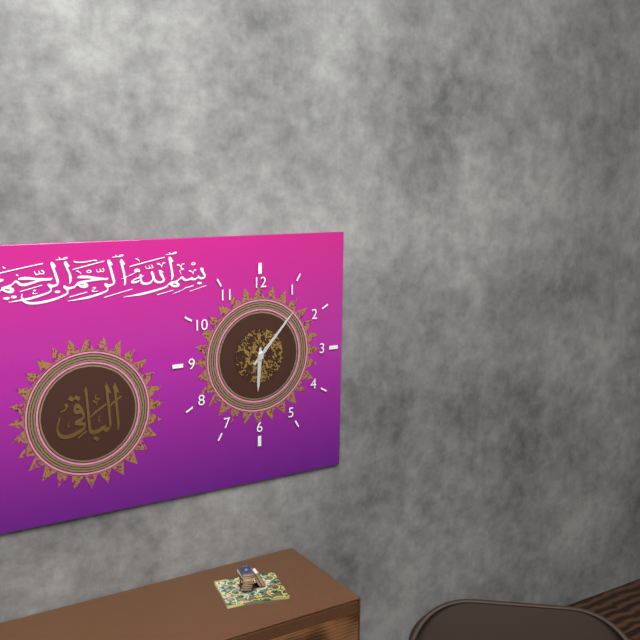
6h07
